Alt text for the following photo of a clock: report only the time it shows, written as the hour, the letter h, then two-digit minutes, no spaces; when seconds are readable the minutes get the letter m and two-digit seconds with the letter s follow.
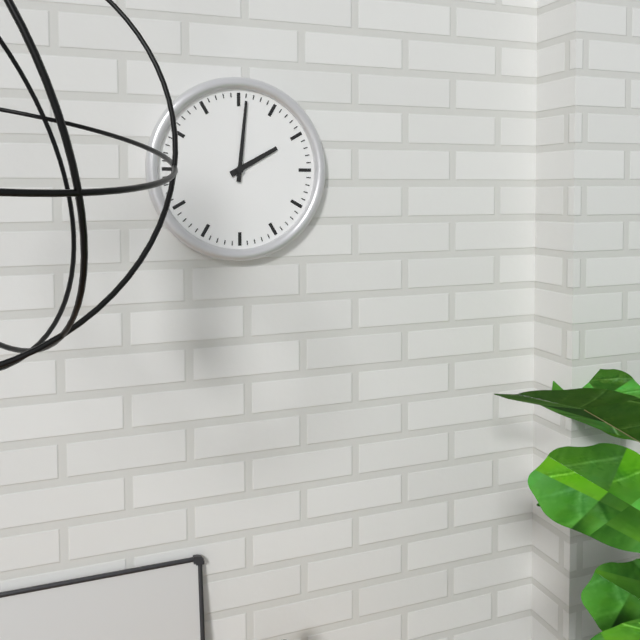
2h01
